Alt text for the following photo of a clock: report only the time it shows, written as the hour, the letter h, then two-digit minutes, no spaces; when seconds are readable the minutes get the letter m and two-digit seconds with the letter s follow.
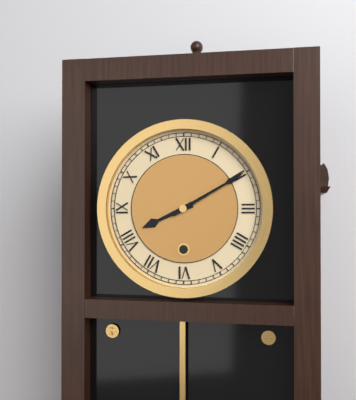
8h10
